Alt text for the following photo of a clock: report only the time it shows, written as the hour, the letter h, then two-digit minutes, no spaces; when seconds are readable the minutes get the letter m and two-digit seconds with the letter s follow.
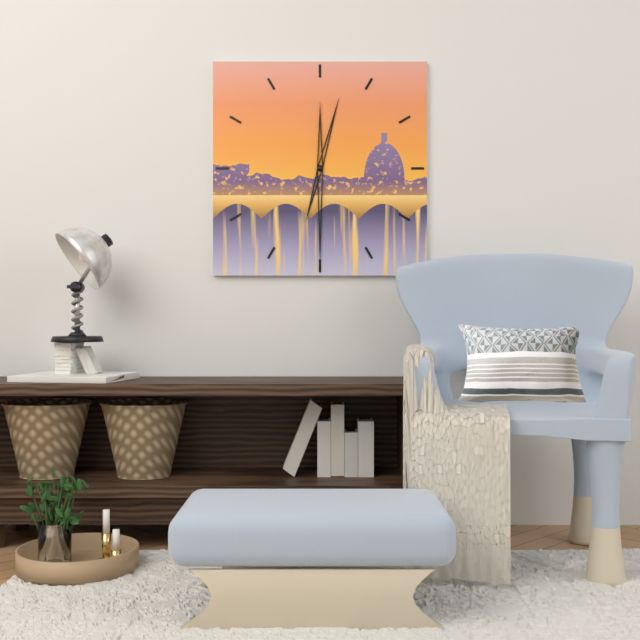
12h30
